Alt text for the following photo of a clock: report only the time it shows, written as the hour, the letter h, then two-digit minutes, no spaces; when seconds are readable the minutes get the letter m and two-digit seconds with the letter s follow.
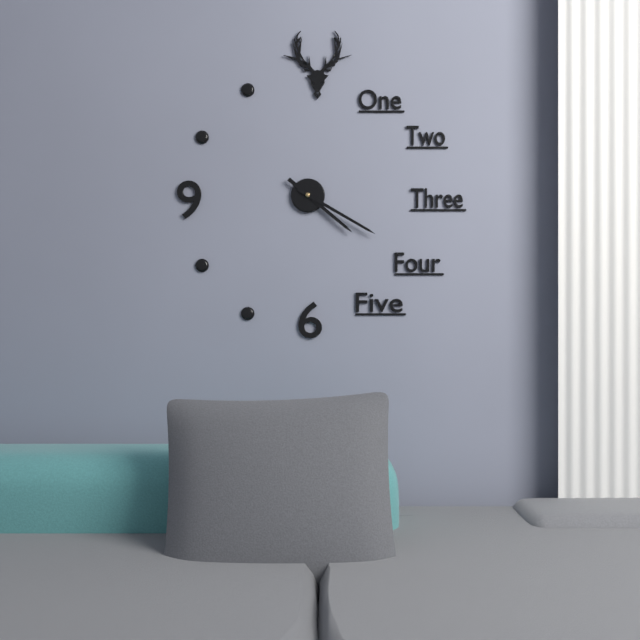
4h20
